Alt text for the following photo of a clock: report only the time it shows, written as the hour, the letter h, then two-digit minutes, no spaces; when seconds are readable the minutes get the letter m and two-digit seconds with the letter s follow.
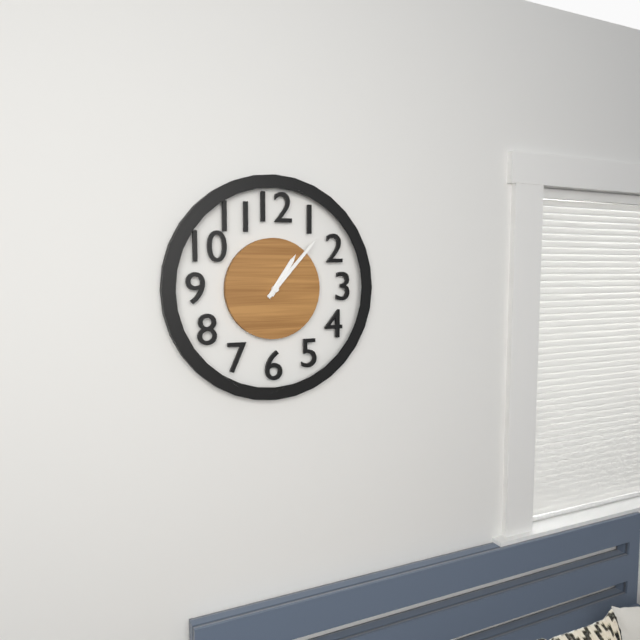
1h07
